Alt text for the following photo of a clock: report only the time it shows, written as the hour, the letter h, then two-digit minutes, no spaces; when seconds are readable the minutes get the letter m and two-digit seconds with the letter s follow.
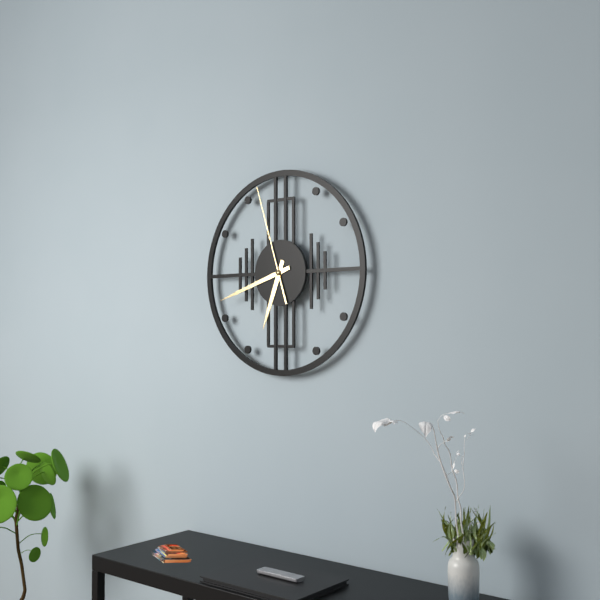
6h42m57s
